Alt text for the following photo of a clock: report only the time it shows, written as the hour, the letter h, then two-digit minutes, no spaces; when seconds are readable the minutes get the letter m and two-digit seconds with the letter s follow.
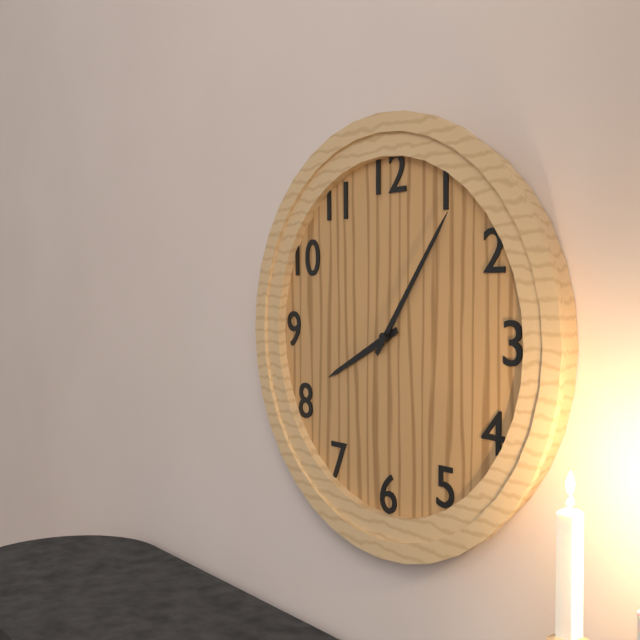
8h06
